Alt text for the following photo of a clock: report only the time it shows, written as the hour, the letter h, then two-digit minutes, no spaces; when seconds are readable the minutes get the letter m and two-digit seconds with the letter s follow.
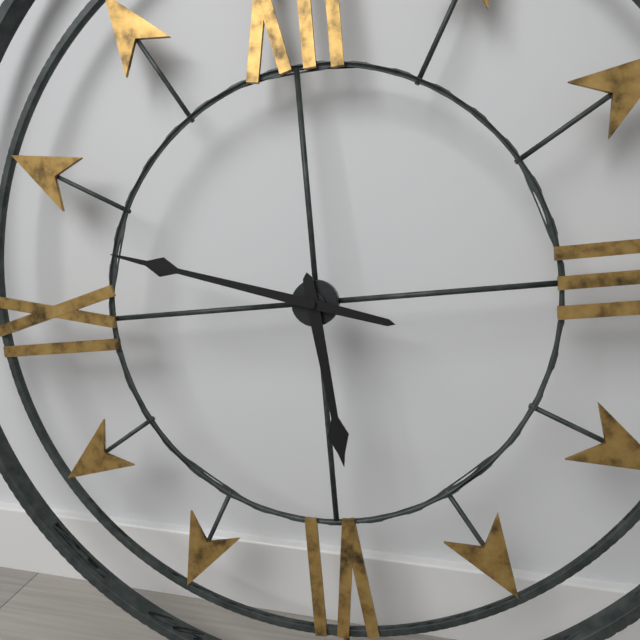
5h48
